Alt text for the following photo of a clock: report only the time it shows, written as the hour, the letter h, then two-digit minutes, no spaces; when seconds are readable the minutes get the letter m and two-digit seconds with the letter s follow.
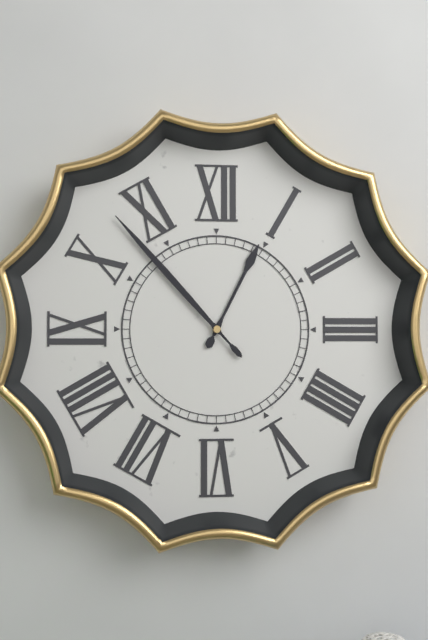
12h53
